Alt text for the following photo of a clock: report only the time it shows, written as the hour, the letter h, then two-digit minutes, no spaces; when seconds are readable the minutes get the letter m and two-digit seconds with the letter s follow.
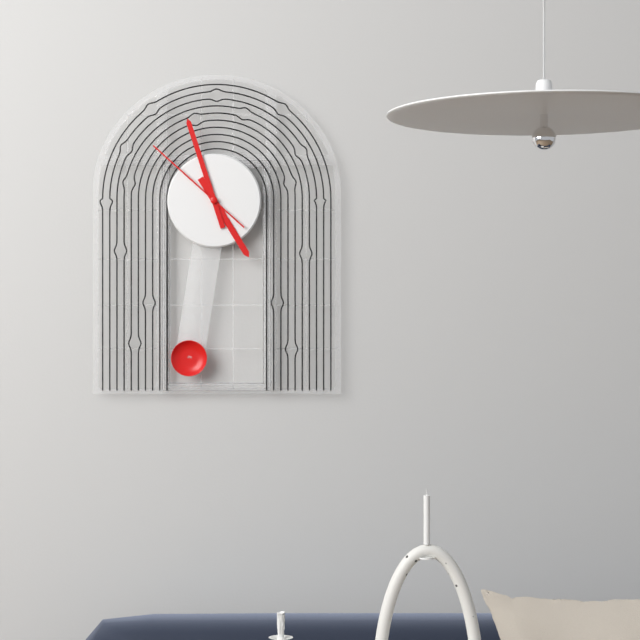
4h57m52s
